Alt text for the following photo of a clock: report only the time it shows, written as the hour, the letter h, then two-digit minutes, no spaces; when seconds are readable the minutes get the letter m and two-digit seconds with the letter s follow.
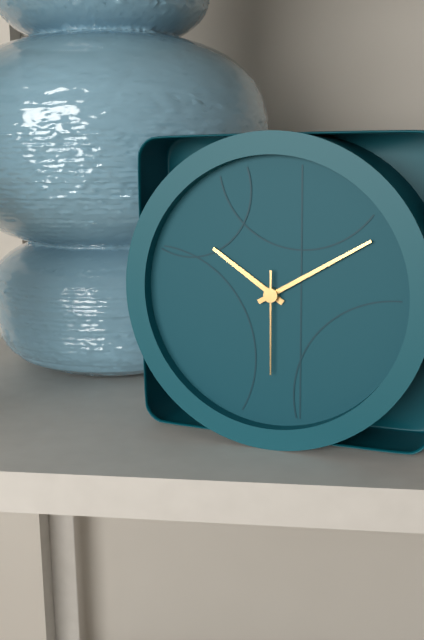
10h10m30s
